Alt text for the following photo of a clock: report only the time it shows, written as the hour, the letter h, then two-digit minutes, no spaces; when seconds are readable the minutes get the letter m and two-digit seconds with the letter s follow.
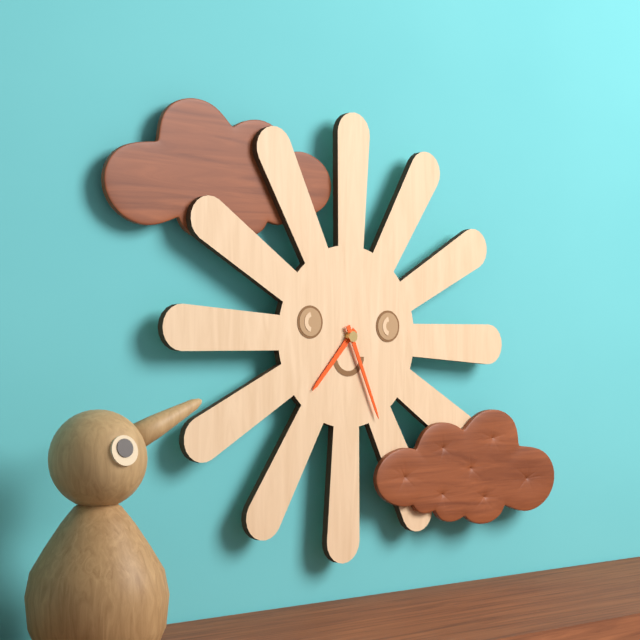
7h26
